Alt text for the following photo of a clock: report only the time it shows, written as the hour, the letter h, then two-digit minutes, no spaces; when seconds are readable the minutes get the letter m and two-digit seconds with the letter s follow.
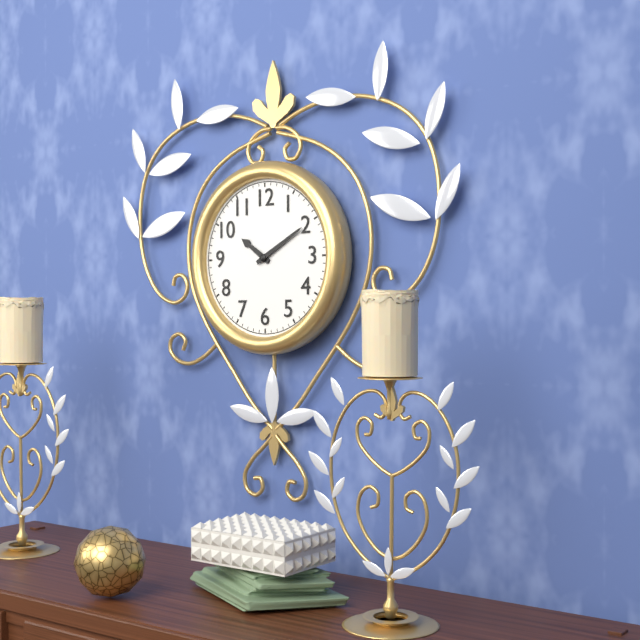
10h10
